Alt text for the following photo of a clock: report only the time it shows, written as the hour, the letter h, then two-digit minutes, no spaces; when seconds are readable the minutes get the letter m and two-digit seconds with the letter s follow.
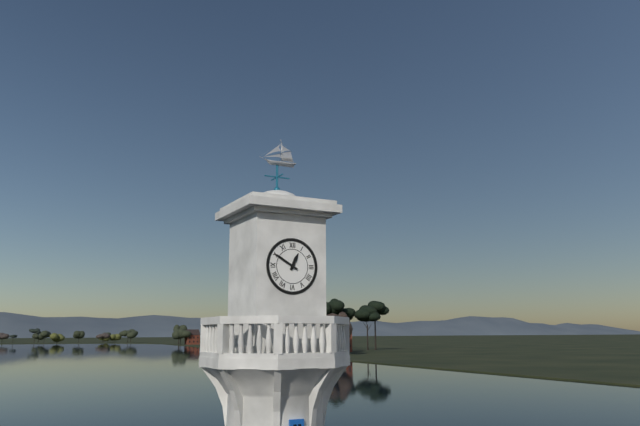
12h50
